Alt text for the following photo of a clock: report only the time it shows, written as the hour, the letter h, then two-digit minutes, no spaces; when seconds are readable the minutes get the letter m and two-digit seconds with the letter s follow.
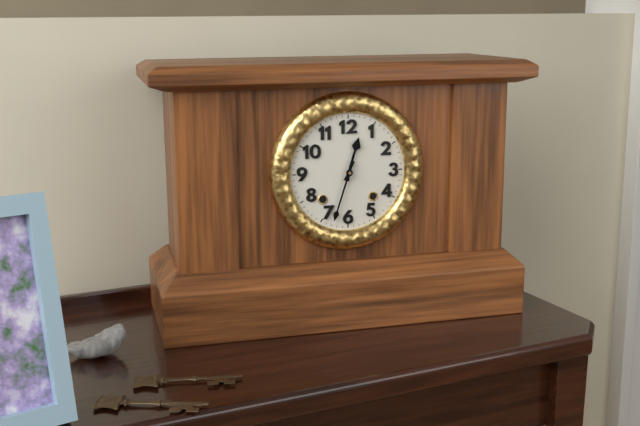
12h33
